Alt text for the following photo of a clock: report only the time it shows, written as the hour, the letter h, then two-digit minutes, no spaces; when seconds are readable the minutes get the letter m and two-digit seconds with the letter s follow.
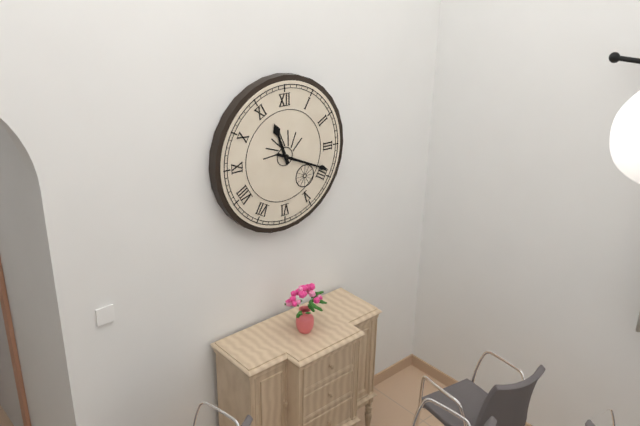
11h19
